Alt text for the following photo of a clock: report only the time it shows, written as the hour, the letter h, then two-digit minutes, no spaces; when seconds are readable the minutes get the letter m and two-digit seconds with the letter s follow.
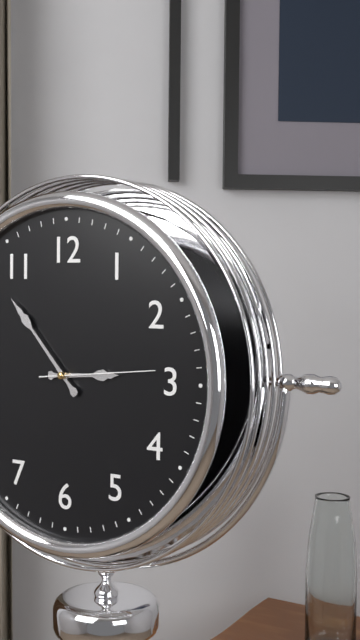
2h53m14s
